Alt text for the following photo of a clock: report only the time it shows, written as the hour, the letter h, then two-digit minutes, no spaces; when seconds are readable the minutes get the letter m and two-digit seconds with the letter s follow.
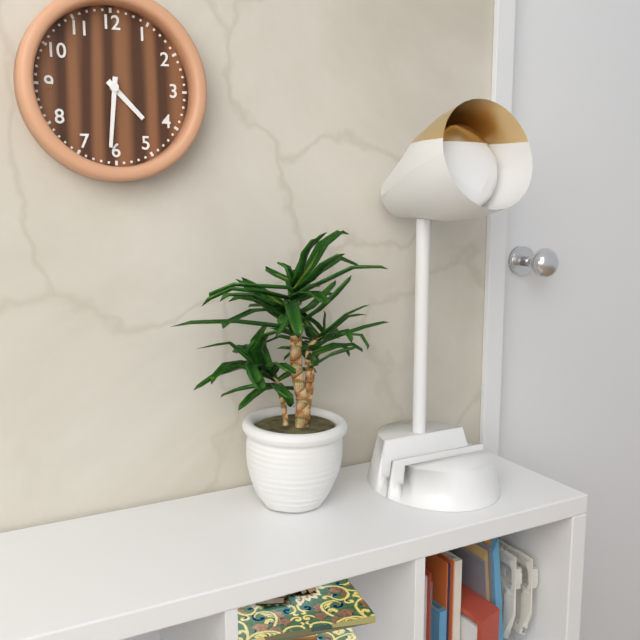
4h31
